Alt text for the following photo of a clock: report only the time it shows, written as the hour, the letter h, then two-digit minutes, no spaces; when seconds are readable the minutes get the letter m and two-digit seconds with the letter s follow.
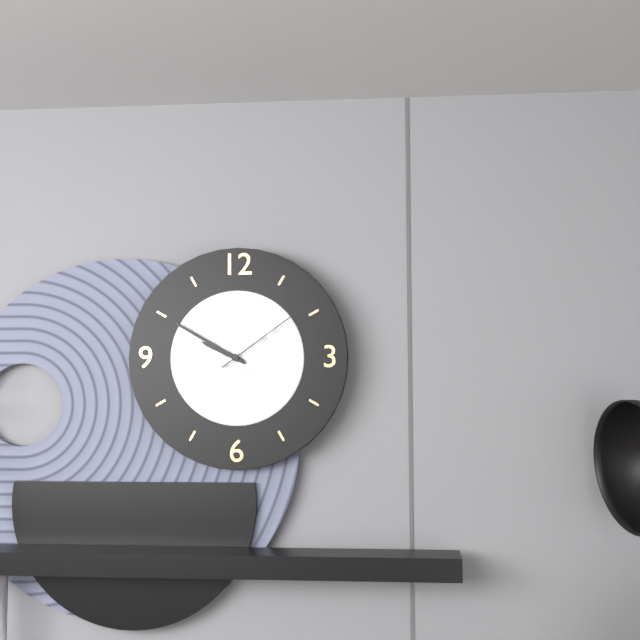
9h50m09s
